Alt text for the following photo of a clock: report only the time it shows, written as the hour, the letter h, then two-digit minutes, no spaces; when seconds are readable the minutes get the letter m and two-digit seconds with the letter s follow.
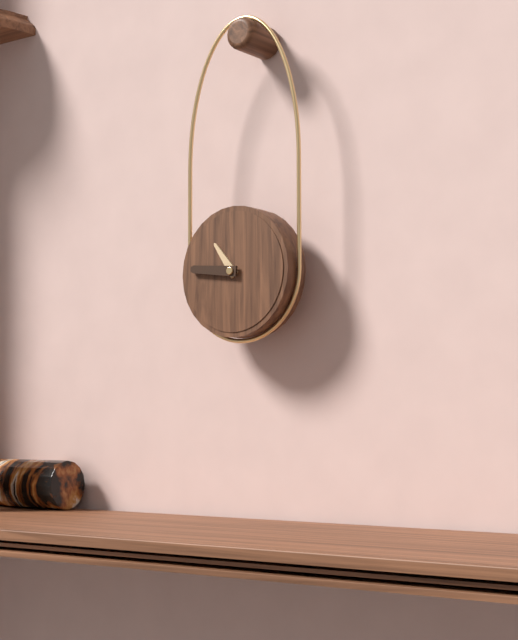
10h46
